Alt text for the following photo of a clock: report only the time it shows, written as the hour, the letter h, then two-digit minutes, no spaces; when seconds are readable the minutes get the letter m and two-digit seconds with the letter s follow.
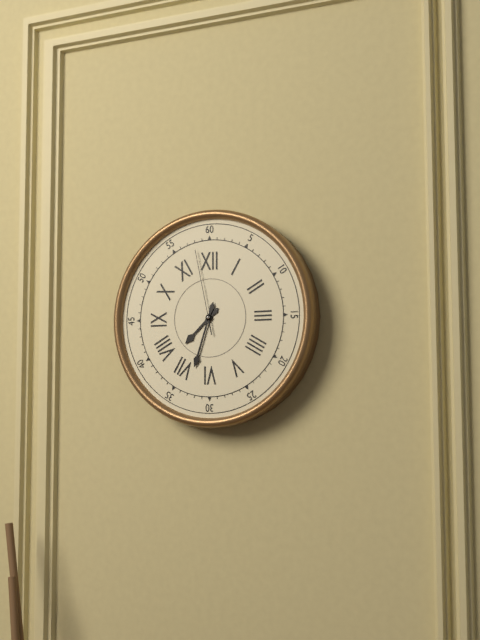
7h33m58s
